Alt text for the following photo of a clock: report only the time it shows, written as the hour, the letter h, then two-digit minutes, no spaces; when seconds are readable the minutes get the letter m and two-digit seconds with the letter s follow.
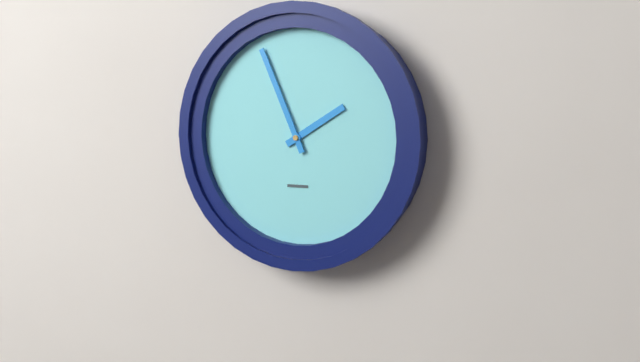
1h56
